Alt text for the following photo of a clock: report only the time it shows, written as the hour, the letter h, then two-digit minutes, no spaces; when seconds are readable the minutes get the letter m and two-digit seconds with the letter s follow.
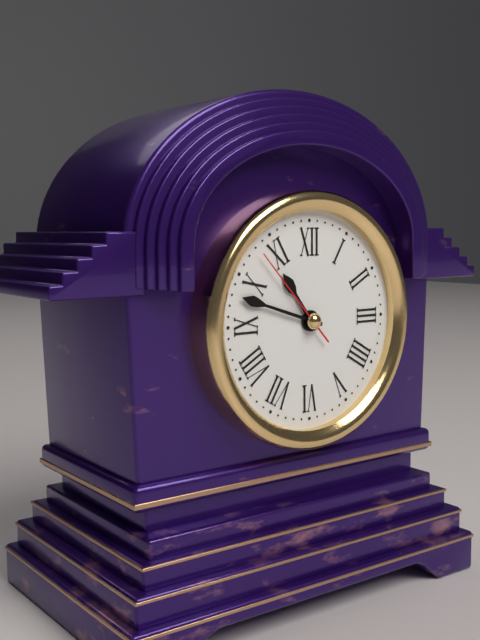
10h48m53s
